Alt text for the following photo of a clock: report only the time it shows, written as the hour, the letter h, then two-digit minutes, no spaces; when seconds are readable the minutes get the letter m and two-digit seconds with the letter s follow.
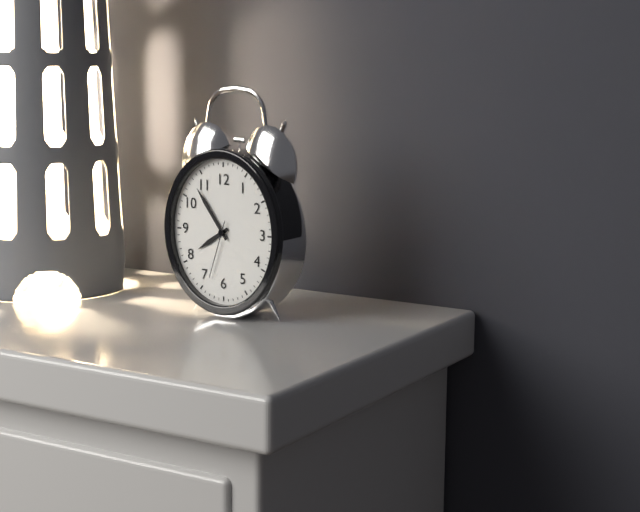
7h54m33s
